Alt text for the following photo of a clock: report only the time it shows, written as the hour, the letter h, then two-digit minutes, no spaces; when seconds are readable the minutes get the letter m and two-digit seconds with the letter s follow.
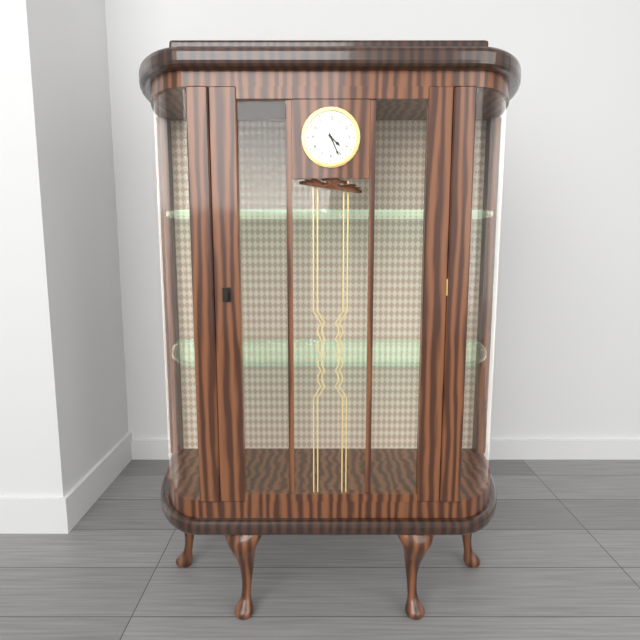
4h26
